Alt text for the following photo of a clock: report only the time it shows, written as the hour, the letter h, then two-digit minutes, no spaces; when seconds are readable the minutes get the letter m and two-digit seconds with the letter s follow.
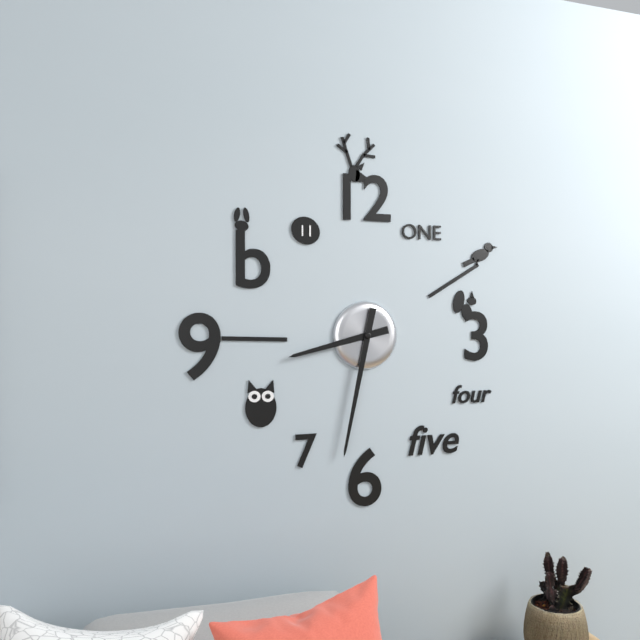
8h32
